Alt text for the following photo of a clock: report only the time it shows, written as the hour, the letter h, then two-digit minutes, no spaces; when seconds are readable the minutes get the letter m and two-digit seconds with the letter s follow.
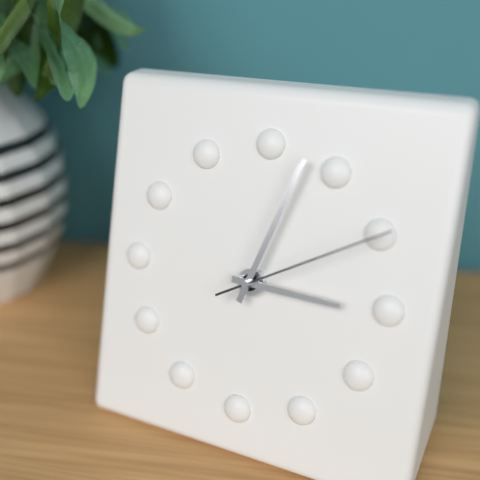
3h03m10s
